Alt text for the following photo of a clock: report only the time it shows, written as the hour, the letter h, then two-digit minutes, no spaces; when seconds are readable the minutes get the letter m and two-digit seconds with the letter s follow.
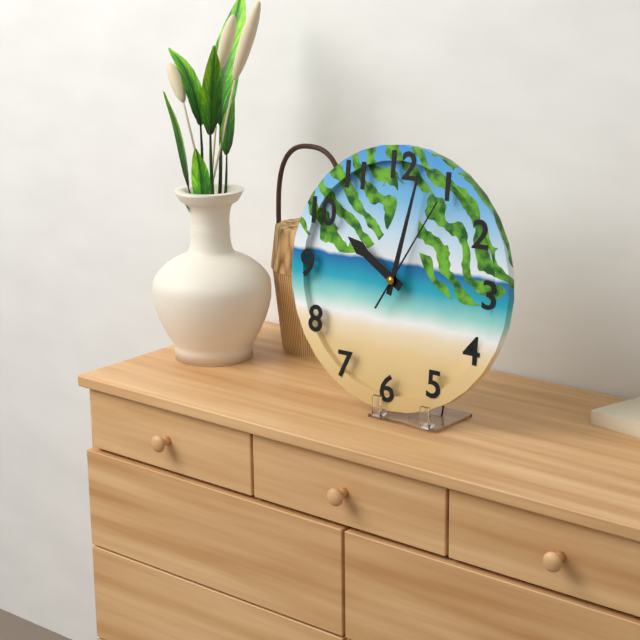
10h02m05s
